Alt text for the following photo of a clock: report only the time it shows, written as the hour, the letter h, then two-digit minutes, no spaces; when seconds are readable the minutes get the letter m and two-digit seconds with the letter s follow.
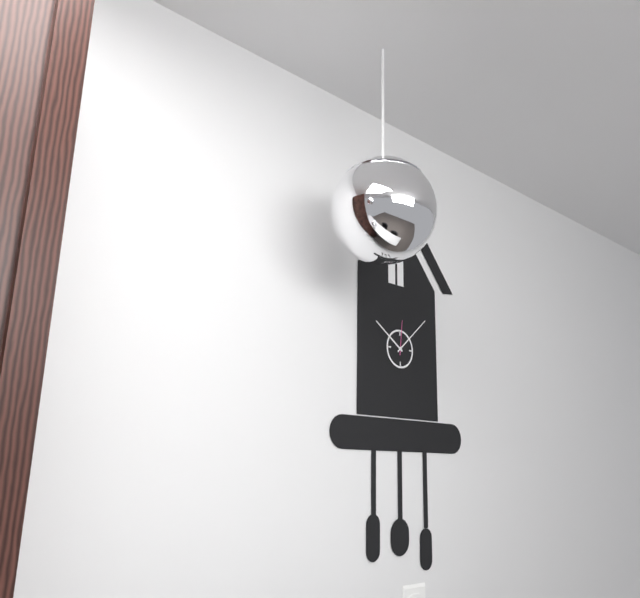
10h08
